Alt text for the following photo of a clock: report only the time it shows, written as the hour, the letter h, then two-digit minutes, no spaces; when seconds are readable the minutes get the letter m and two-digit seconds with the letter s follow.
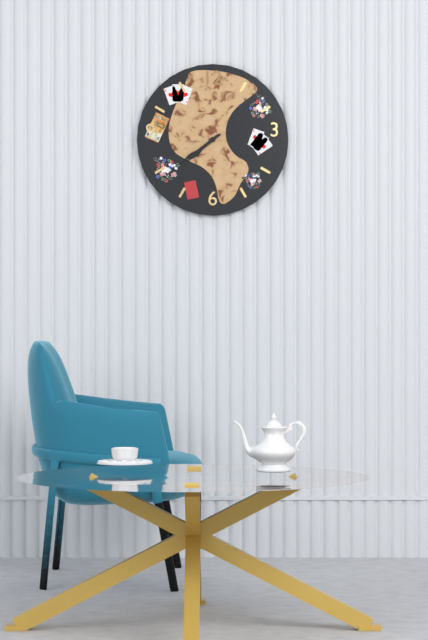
7h39
